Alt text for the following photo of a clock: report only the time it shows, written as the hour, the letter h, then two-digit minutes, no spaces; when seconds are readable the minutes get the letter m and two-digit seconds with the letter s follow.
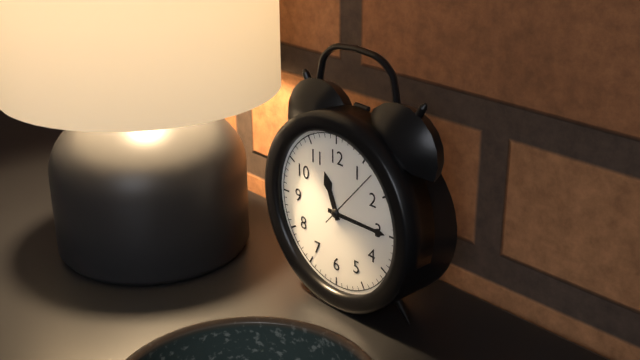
11h15m07s
